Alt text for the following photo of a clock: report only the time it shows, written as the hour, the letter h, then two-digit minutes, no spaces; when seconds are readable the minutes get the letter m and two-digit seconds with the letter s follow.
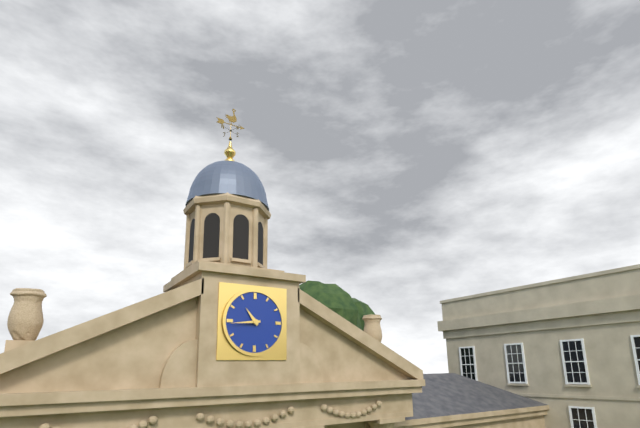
10h44
